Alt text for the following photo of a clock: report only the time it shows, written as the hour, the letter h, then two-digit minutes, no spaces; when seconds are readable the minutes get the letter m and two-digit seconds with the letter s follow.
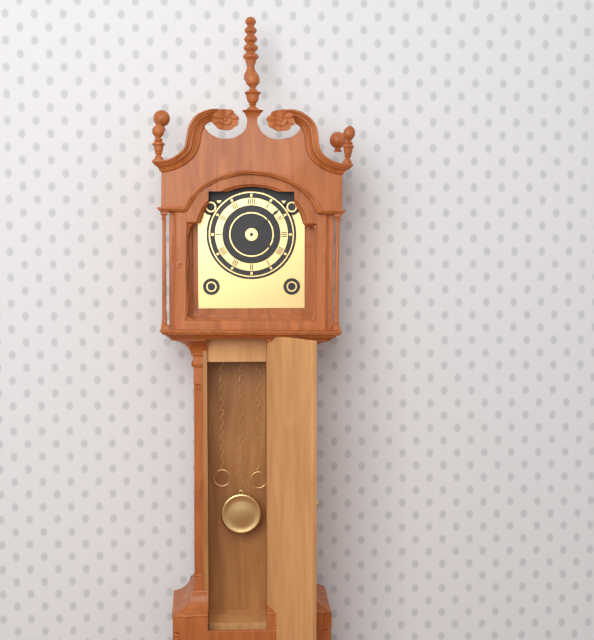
4h08
